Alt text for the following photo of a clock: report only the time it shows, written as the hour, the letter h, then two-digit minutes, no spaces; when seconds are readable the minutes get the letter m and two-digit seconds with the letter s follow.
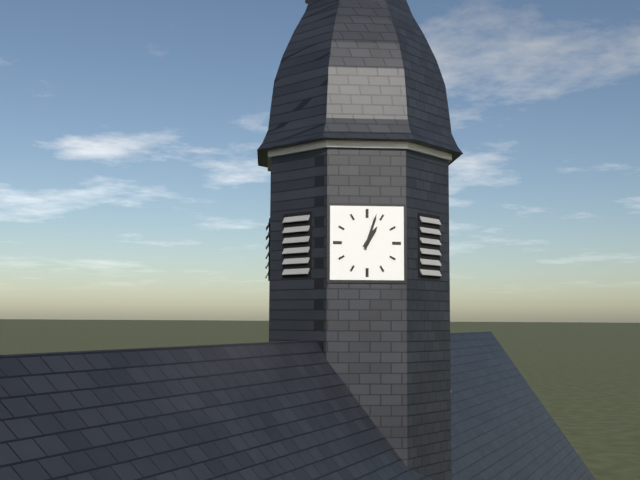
1h03
